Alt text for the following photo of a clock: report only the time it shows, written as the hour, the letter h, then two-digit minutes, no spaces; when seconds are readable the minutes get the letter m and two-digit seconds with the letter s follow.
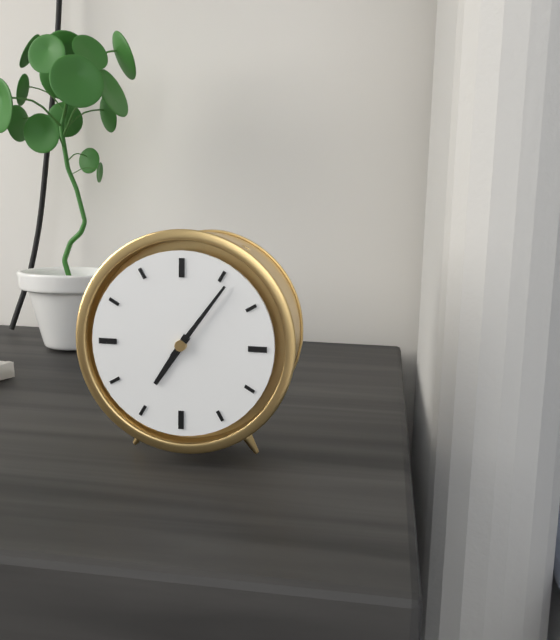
7h06
